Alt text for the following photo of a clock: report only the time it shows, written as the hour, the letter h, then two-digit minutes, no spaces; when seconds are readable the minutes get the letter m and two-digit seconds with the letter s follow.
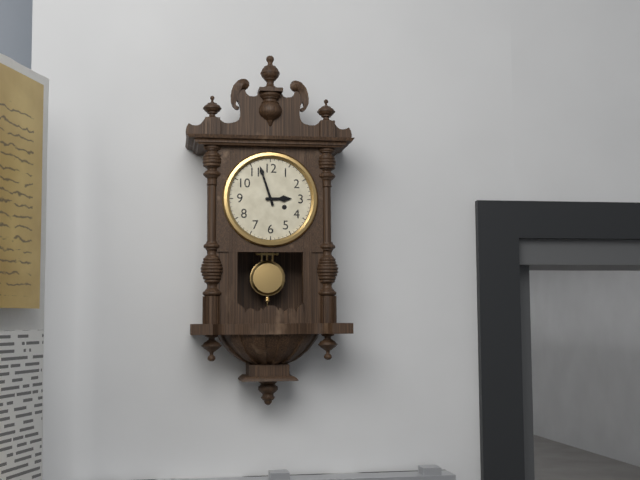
2h57
